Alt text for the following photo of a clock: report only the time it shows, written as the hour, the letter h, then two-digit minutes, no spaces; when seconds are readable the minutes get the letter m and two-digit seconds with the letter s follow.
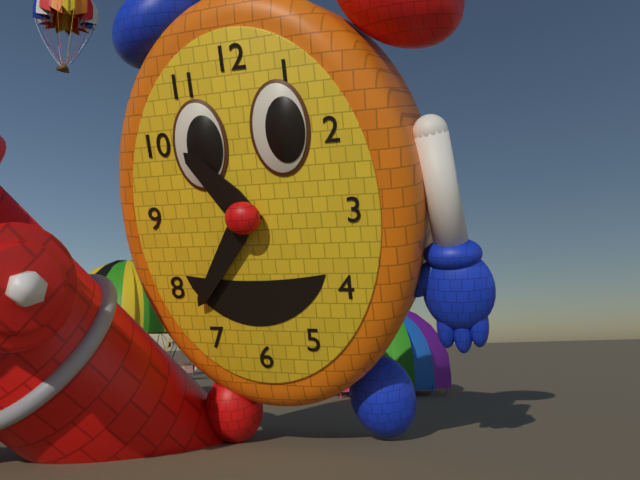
10h36
